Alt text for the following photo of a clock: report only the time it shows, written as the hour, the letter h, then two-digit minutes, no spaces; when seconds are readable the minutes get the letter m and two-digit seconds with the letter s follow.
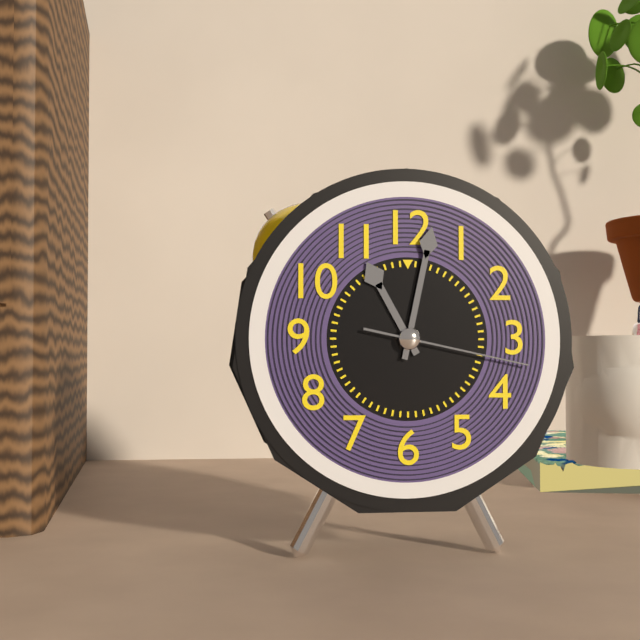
11h02m17s
